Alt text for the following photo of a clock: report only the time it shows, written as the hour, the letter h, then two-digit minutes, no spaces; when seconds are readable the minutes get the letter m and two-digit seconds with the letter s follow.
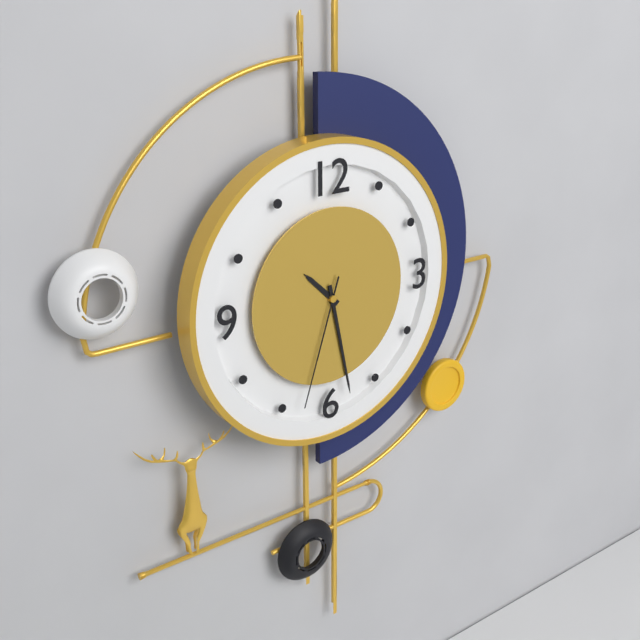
10h28m33s
